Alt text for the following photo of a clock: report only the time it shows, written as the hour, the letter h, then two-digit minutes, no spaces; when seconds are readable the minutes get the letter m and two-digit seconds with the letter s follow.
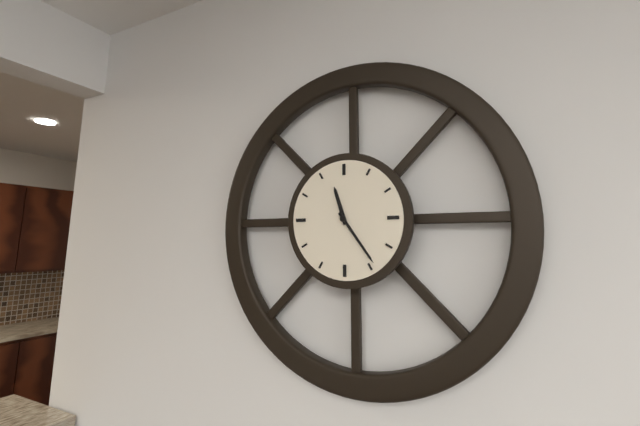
11h24
